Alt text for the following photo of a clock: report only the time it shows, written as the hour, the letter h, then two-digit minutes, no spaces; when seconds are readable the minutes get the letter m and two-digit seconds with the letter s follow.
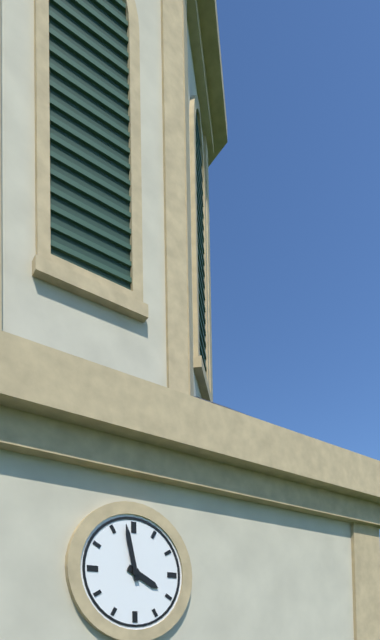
3h58
